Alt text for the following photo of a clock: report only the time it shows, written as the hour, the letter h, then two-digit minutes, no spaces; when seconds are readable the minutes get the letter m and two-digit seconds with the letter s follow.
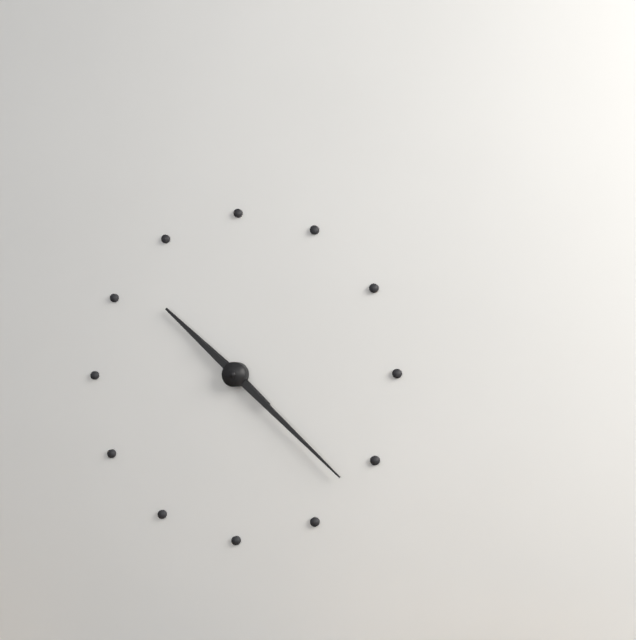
10h22
